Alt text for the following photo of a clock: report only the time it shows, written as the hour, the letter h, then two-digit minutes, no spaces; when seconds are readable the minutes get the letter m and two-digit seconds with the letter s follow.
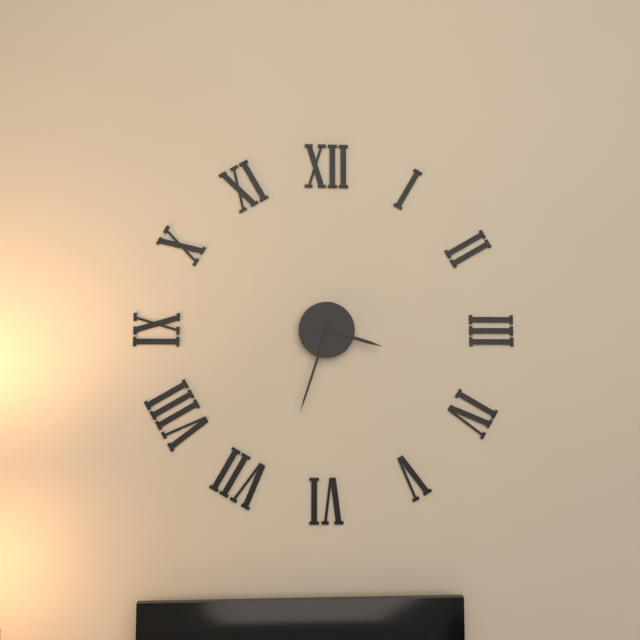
3h33
